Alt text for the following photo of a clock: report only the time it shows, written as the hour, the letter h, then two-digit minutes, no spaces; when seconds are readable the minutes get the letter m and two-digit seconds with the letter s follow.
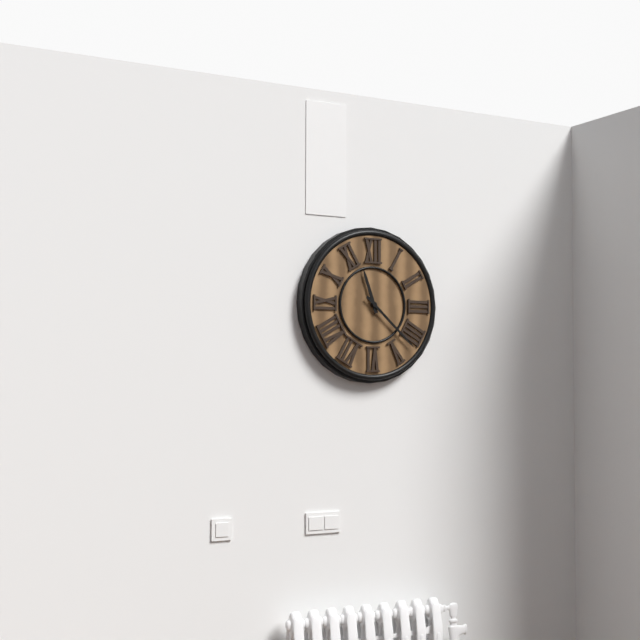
11h22
